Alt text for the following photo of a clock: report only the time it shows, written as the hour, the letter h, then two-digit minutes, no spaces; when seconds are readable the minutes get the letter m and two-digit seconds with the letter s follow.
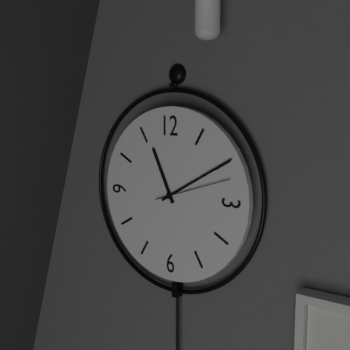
11h10m12s
